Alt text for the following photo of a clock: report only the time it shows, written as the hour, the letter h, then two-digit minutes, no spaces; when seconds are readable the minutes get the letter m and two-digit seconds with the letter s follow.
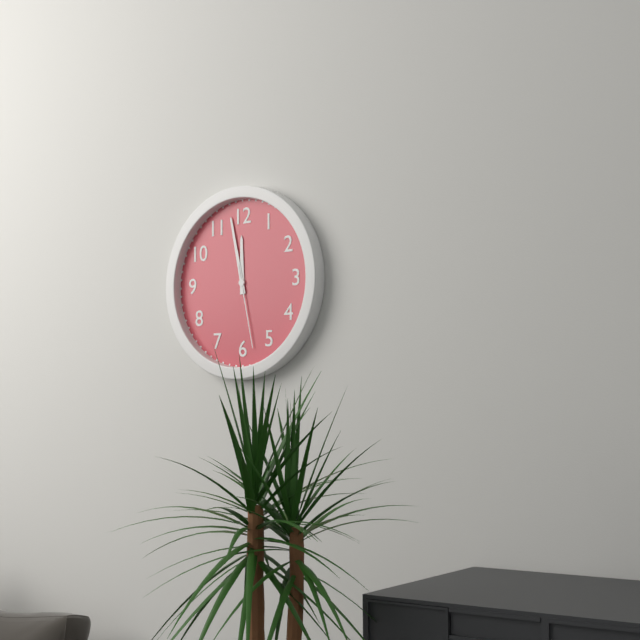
11h58m28s
